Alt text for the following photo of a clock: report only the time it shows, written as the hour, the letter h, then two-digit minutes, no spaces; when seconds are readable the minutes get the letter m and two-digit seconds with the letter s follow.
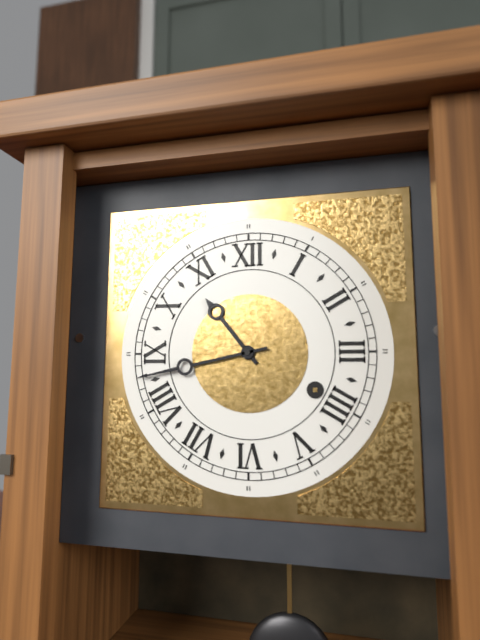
10h43
